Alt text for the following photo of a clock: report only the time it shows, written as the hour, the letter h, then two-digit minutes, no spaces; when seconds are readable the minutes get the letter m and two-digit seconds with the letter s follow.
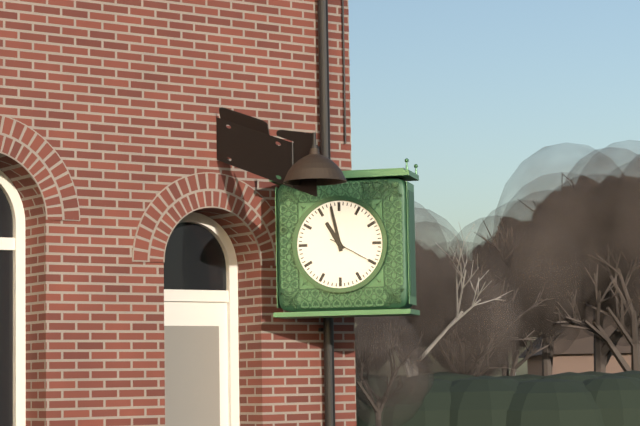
10h58
